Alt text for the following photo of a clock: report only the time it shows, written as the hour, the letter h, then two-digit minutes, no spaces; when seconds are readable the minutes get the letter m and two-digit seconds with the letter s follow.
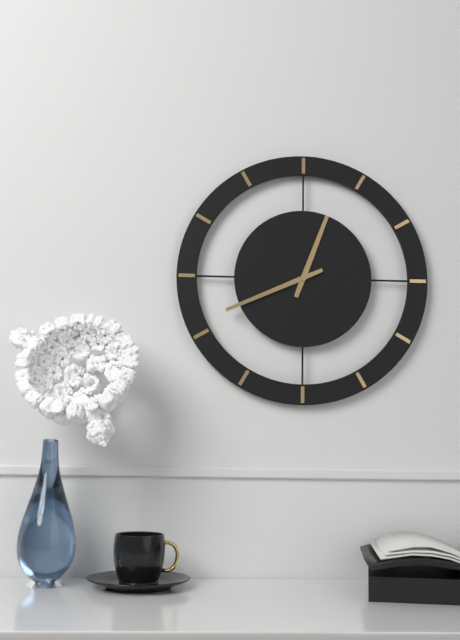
12h41
